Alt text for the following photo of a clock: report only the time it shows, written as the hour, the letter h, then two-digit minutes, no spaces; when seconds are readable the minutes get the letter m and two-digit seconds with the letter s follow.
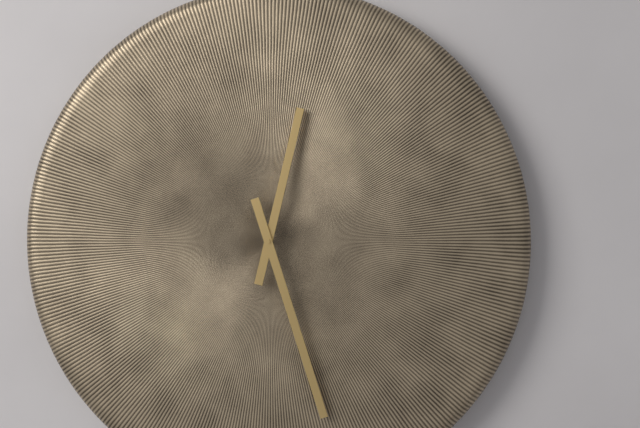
12h27
